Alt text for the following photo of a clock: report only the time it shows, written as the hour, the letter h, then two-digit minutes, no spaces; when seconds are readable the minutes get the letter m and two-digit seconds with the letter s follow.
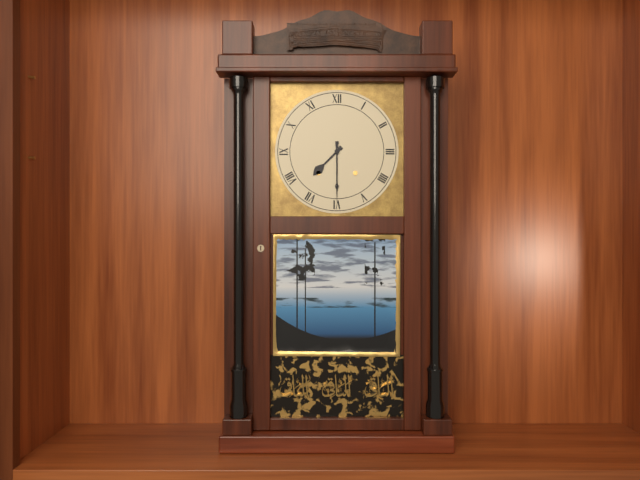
7h30
